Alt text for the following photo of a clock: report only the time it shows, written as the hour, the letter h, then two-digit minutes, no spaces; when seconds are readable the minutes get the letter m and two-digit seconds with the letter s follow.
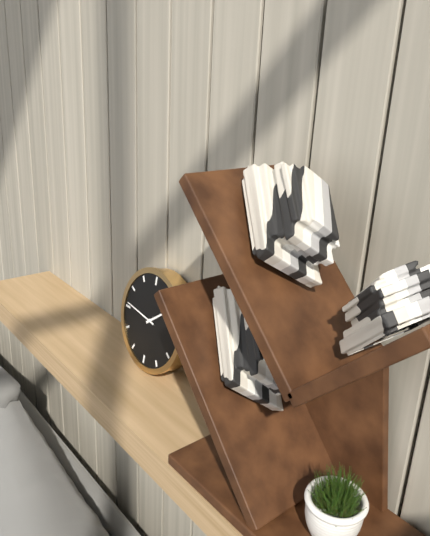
1h46
